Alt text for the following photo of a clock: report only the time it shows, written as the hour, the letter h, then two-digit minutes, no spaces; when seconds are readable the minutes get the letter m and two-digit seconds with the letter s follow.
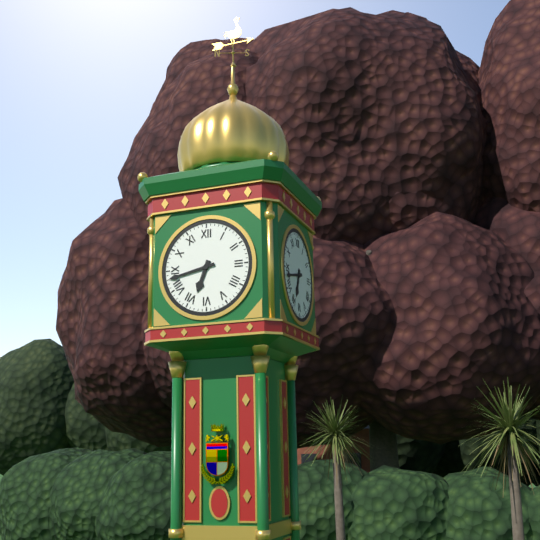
6h43
